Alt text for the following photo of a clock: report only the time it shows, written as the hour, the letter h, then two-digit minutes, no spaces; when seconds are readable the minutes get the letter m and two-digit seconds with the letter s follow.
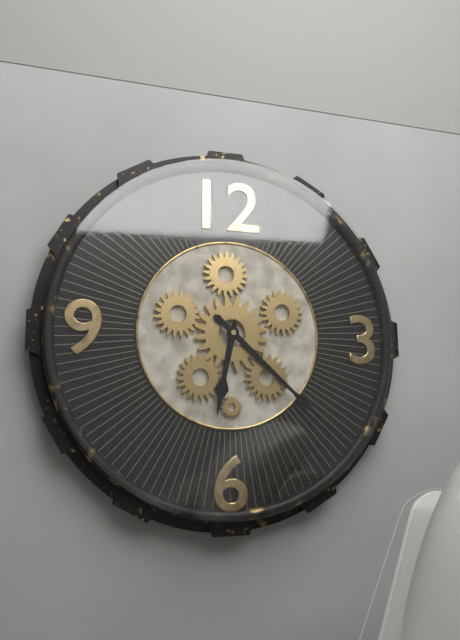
6h22
